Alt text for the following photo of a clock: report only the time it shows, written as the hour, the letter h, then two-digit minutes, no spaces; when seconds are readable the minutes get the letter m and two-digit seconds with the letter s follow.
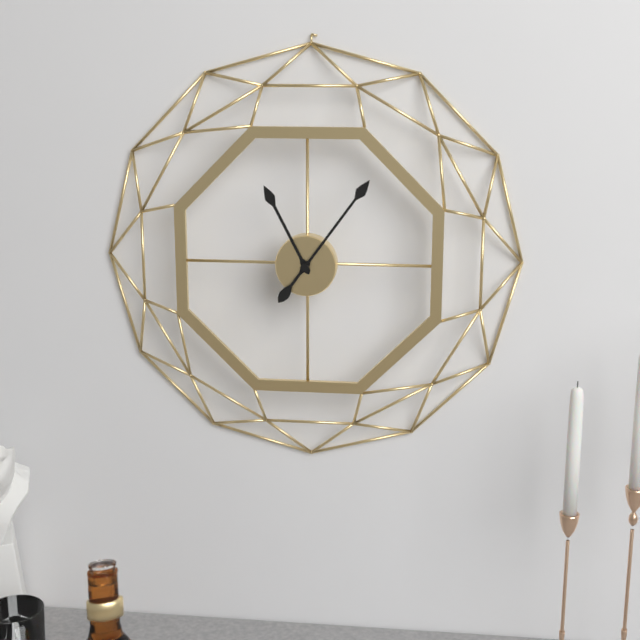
11h06
